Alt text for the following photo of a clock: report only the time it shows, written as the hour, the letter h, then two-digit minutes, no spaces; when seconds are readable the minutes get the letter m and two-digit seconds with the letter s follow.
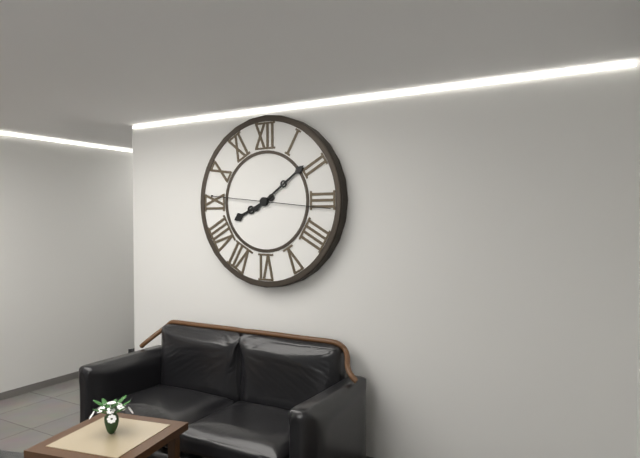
8h09m16s
